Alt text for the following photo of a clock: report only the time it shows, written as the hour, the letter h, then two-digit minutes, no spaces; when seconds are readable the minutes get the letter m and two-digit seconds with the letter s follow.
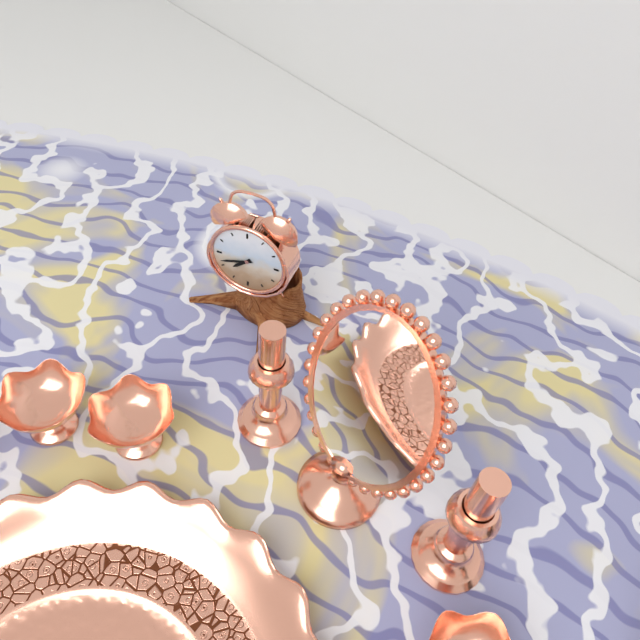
7h42
